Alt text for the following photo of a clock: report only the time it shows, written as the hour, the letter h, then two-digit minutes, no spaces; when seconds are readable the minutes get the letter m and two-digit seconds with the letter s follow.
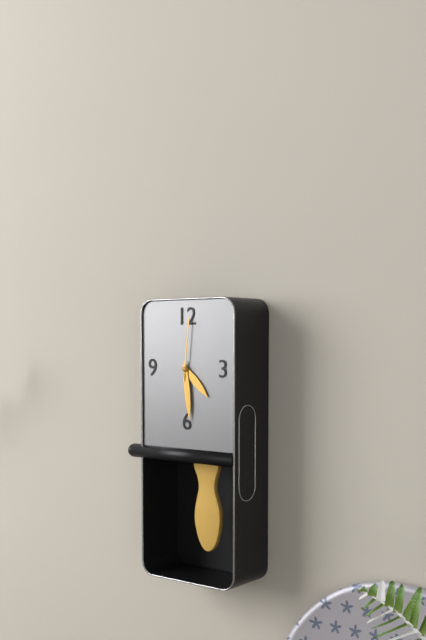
4h29m01s
